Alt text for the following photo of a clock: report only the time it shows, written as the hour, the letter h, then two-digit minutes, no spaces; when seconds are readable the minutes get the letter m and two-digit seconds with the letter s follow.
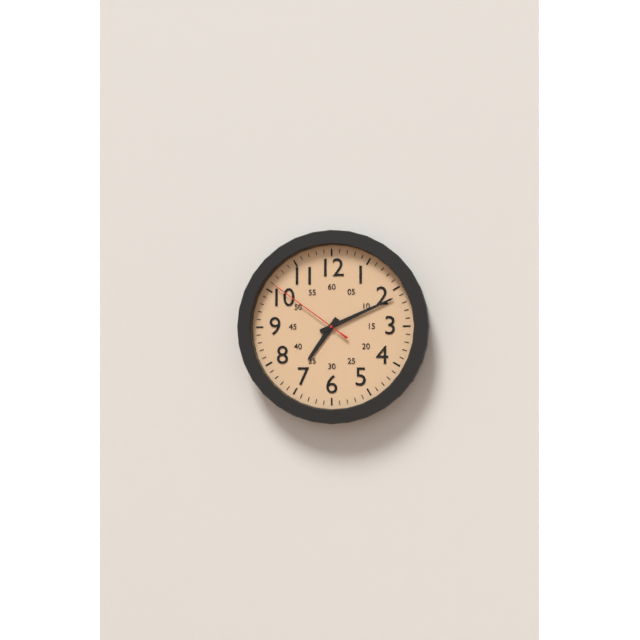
7h11m51s
